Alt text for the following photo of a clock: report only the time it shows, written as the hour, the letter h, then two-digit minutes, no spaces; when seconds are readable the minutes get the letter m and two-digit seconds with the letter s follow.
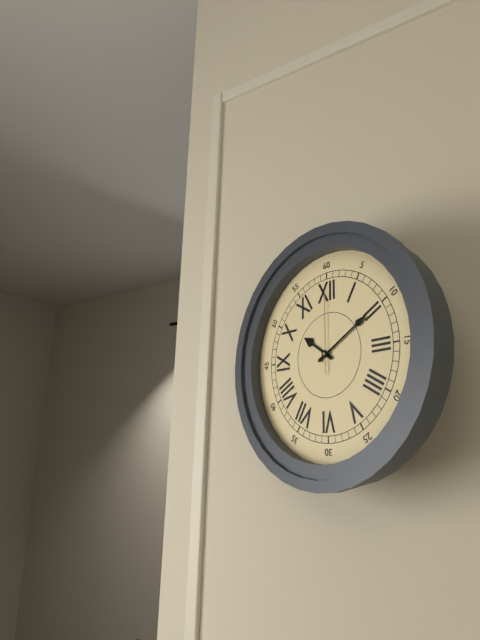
10h10m00s
